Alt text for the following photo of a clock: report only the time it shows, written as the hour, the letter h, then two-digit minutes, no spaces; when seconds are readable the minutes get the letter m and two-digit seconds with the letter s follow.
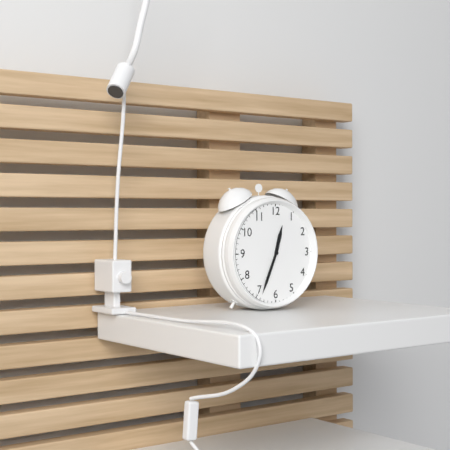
12h34
